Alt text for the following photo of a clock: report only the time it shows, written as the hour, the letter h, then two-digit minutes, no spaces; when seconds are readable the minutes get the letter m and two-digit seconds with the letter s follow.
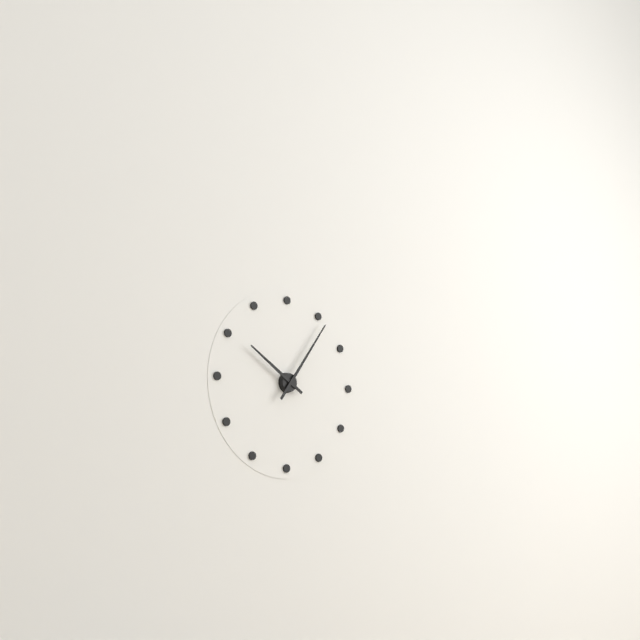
10h06
